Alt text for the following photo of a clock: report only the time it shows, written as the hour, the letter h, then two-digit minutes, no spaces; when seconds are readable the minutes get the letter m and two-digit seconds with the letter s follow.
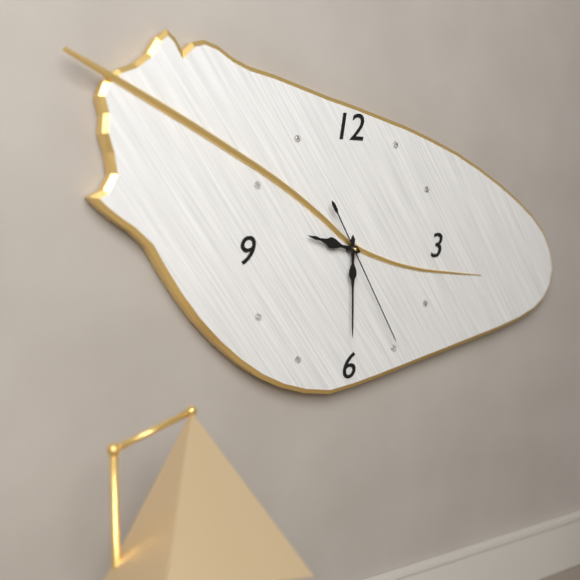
9h30m25s
